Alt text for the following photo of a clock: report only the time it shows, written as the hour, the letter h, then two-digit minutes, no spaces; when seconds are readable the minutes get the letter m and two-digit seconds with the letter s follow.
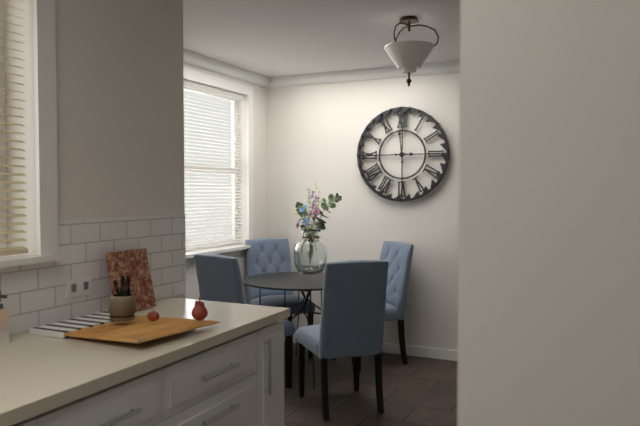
2h59
